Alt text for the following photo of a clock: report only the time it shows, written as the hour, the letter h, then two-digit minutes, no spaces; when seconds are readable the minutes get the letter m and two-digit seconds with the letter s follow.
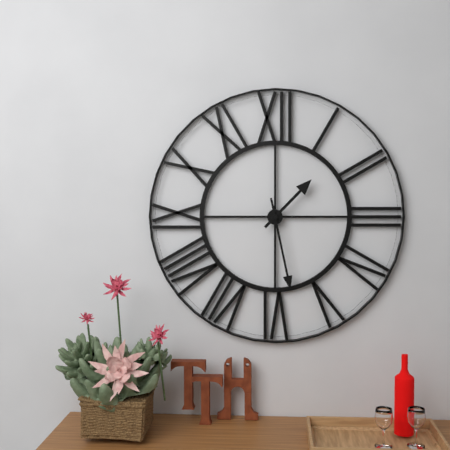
1h28
